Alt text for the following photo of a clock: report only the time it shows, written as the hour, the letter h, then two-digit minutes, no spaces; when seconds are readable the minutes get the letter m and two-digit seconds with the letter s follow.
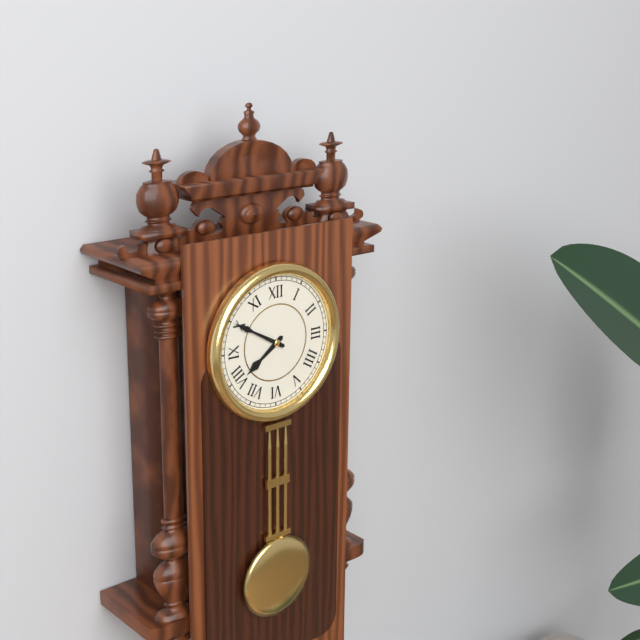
7h50
